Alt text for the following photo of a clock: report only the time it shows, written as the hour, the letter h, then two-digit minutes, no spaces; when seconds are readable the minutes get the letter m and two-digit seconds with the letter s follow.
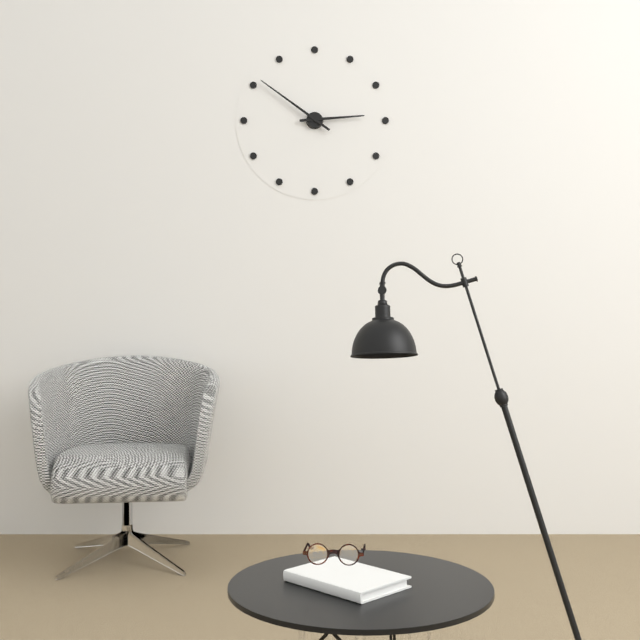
2h51
